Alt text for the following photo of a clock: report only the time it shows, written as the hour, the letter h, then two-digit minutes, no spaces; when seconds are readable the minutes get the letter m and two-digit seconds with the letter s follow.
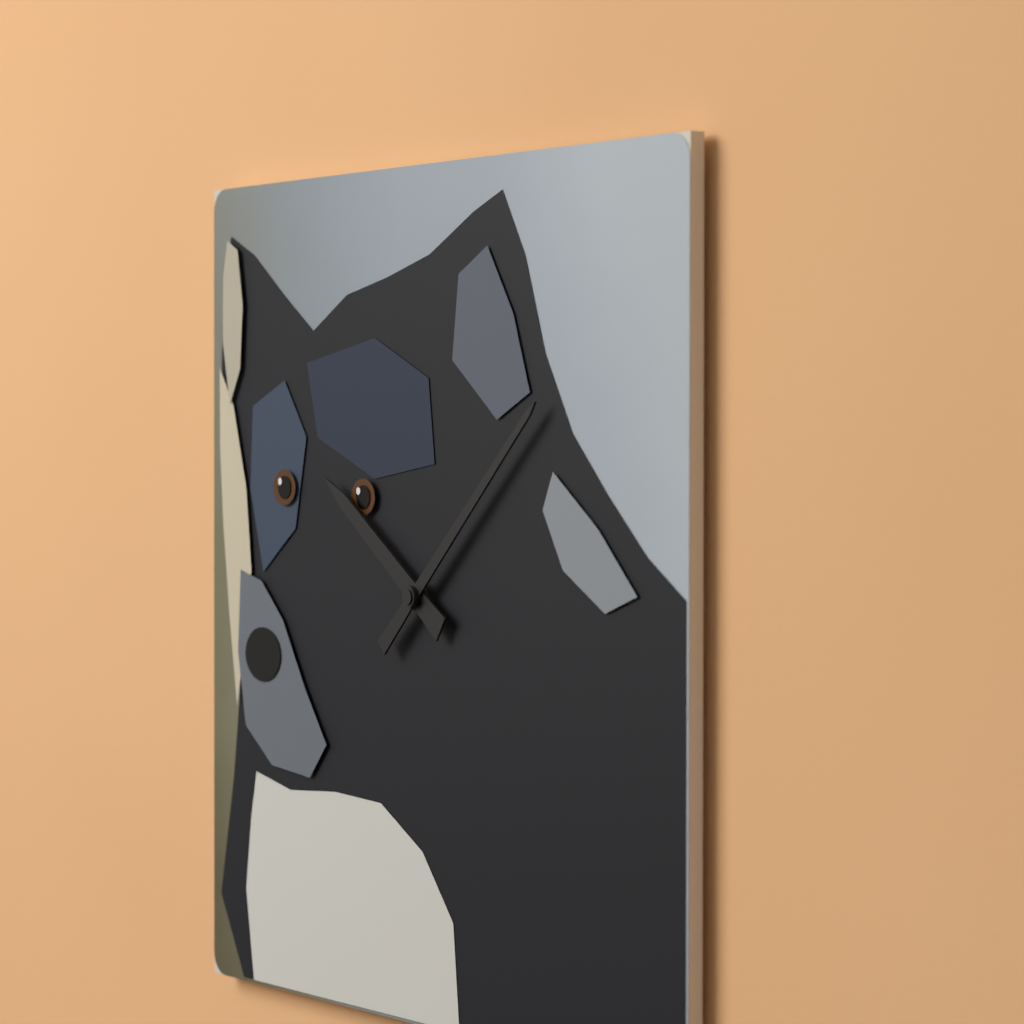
10h08
